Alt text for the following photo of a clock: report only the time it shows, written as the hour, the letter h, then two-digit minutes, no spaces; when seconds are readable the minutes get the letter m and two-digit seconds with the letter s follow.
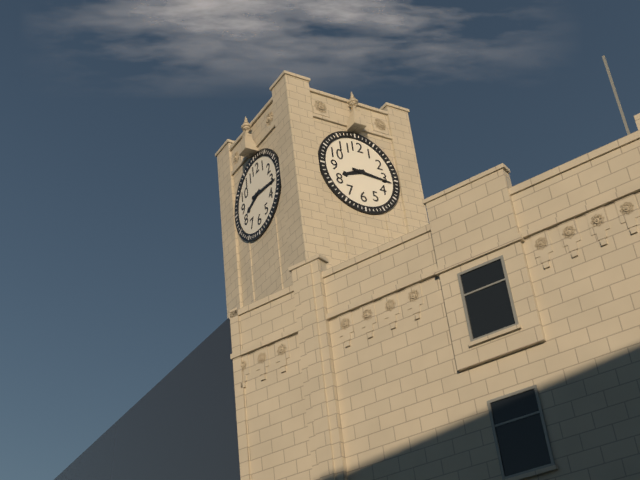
8h16
